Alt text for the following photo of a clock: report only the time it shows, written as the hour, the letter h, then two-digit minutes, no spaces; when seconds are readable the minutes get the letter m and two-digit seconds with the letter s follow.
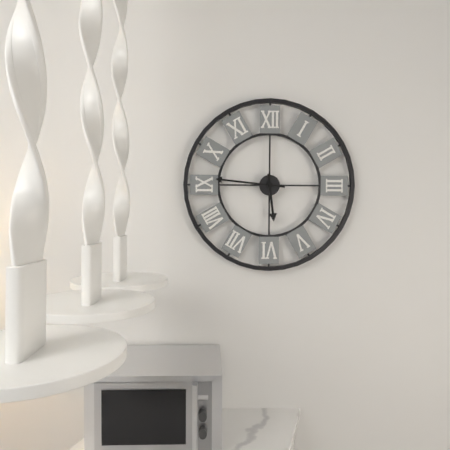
5h46
